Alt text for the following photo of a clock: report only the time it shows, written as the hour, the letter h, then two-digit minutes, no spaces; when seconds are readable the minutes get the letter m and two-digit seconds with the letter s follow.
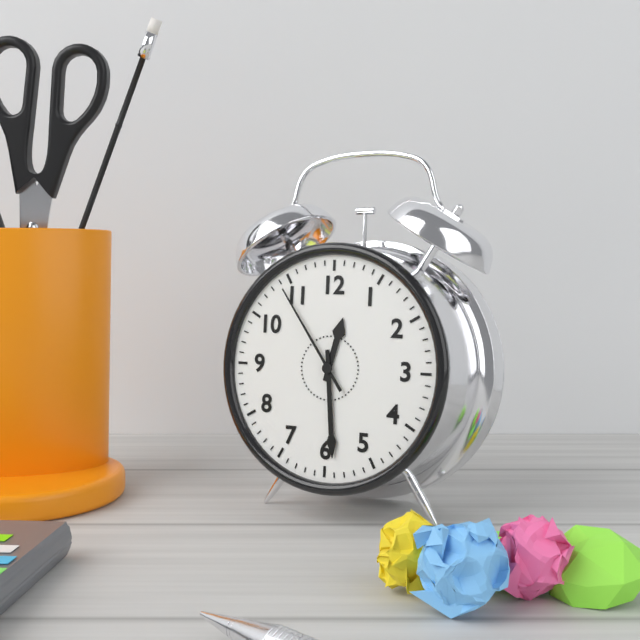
12h29m54s
